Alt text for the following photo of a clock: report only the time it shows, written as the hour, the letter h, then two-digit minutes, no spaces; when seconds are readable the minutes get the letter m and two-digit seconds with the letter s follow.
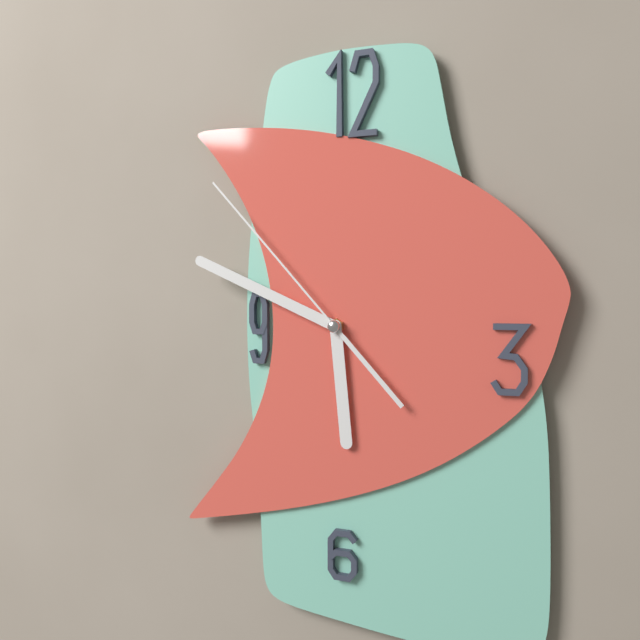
5h49m53s
